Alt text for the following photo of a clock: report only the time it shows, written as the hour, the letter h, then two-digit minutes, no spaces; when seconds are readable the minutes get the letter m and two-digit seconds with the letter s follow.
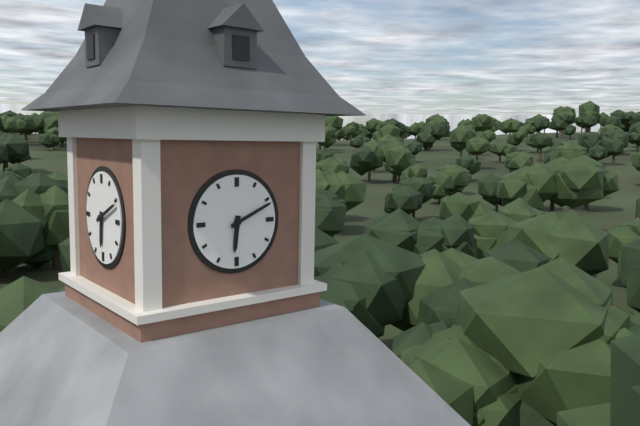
6h11
